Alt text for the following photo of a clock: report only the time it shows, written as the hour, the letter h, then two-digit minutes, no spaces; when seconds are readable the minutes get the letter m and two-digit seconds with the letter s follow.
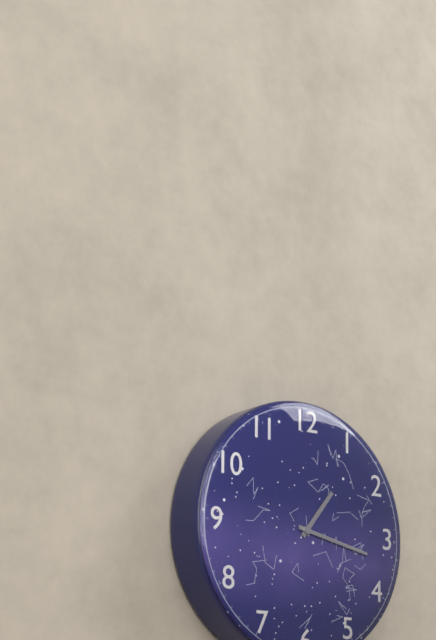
1h17
